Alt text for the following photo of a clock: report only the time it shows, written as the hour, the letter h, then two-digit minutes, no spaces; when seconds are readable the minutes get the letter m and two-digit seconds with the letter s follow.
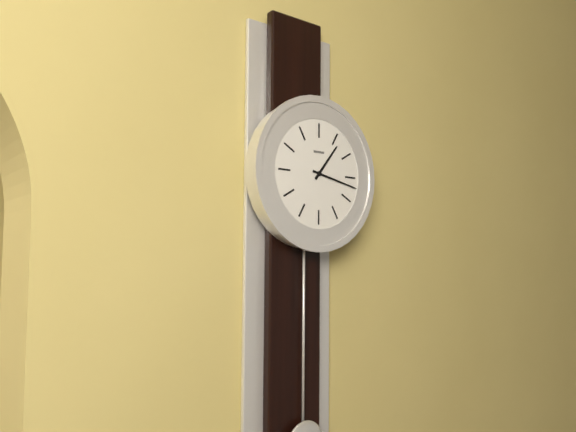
1h17
